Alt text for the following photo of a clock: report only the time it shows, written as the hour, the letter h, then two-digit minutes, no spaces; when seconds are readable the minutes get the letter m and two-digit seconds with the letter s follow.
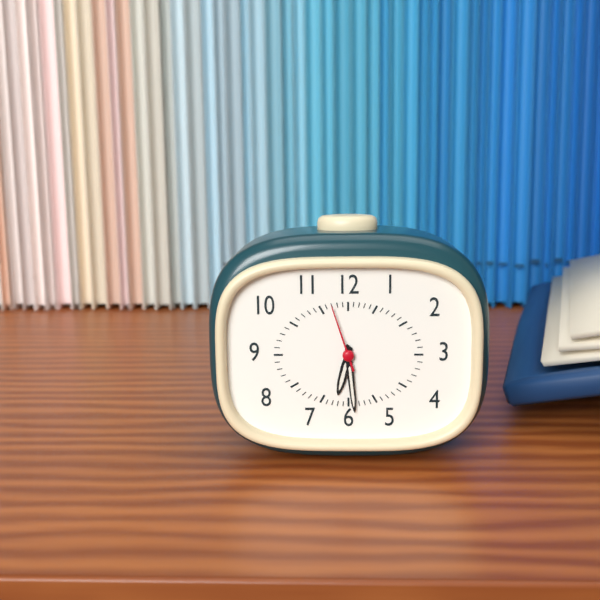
6h29m57s
